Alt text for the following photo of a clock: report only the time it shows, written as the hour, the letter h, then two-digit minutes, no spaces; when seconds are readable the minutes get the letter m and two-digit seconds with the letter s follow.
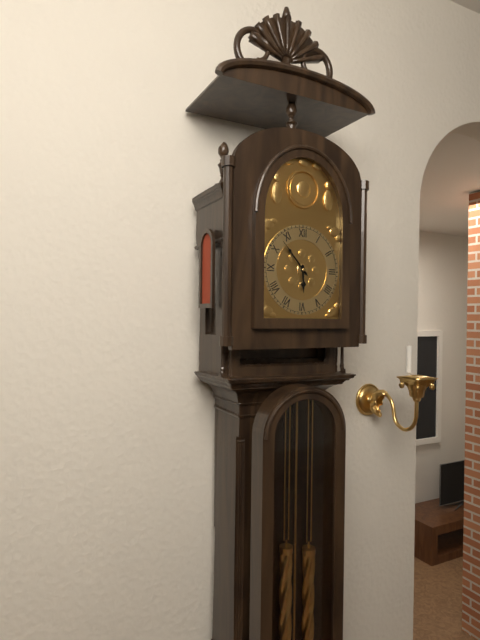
5h53
